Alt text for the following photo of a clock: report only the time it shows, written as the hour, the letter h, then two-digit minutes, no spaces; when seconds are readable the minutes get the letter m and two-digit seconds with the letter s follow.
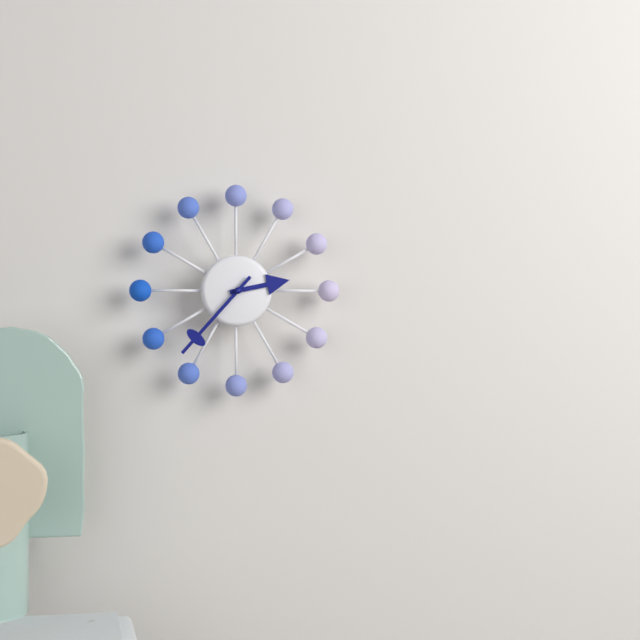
2h37
